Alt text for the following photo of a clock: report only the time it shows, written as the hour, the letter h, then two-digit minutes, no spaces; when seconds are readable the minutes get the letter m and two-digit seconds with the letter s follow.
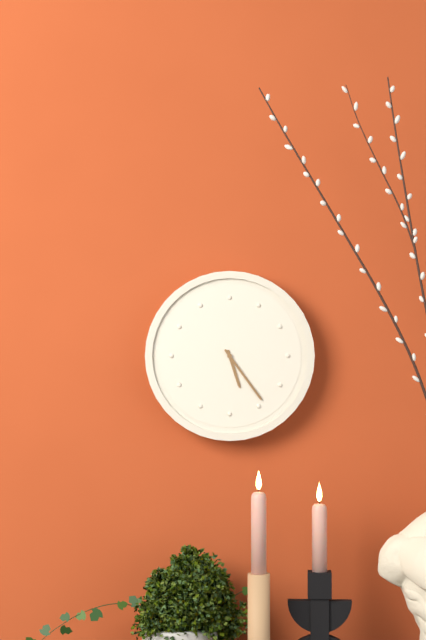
5h24
